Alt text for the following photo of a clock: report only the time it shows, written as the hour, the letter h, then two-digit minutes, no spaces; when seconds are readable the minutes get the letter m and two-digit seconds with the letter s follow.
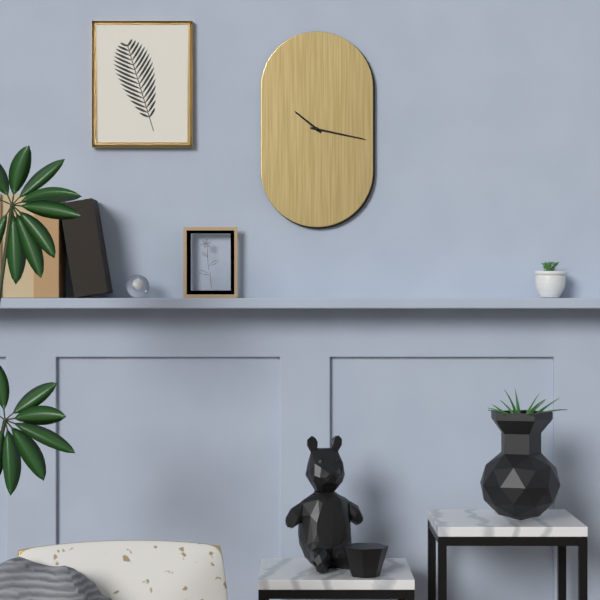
10h17
